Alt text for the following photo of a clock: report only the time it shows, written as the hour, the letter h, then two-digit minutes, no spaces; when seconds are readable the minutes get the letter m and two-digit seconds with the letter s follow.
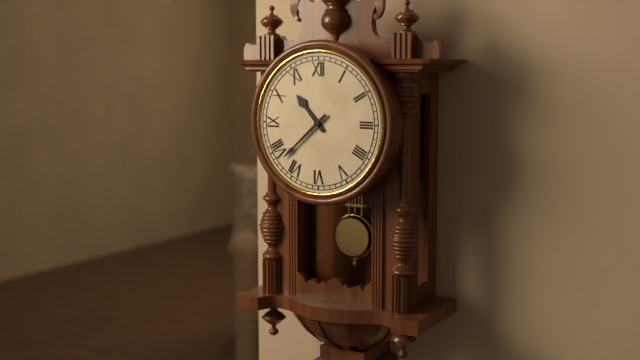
10h38
